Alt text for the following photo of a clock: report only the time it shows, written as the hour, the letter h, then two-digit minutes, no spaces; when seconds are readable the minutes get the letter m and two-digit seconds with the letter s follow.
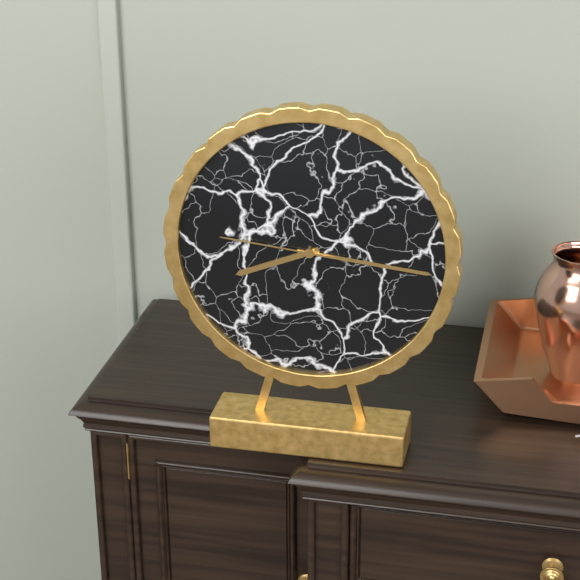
8h16m46s
